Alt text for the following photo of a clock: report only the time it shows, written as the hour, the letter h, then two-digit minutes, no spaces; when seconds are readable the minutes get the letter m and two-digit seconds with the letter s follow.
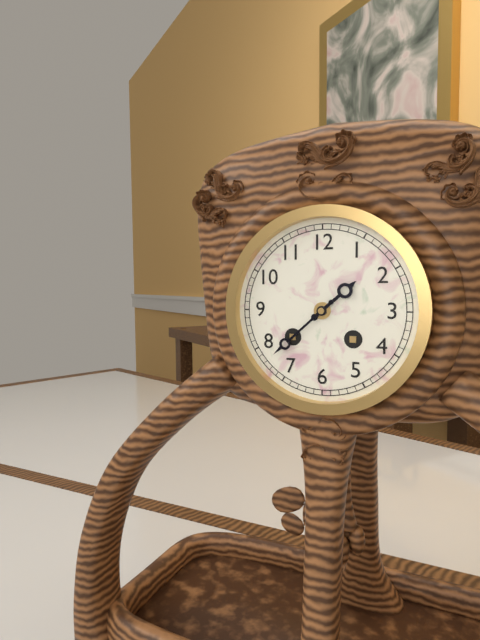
1h38
